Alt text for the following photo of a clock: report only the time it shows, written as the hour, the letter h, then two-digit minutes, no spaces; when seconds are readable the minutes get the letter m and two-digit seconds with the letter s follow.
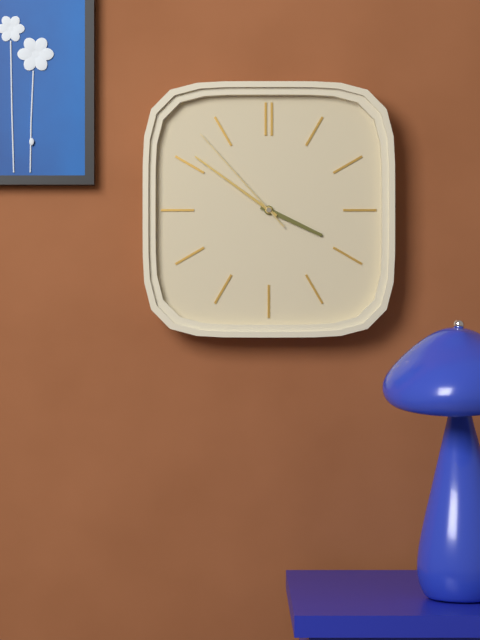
3h51m53s
